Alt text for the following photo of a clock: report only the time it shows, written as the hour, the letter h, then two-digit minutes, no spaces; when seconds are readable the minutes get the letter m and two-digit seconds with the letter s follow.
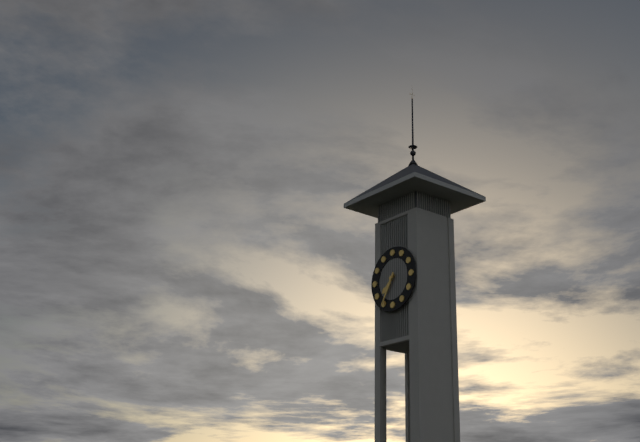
7h35
